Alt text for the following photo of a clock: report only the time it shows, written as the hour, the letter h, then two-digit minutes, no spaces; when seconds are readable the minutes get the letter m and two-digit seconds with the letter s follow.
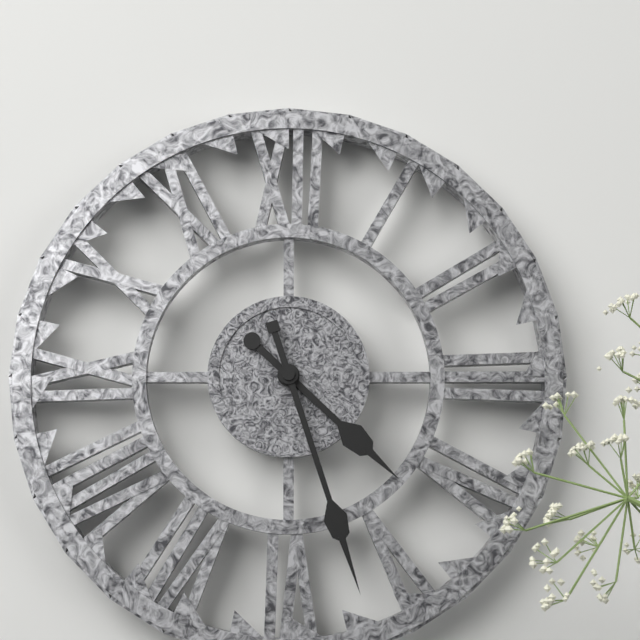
4h27
